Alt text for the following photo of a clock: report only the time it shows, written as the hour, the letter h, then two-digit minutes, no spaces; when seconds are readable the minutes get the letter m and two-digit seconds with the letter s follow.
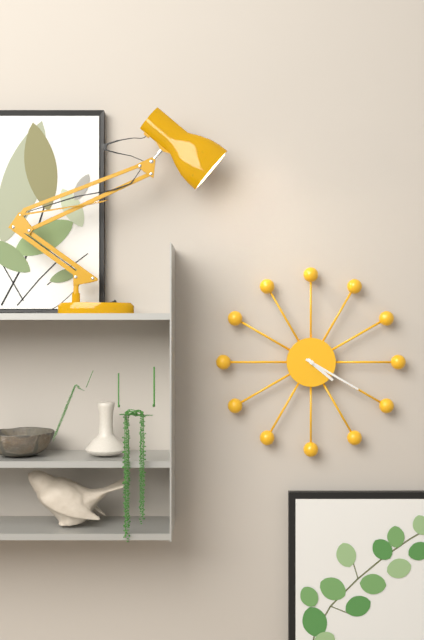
4h20
